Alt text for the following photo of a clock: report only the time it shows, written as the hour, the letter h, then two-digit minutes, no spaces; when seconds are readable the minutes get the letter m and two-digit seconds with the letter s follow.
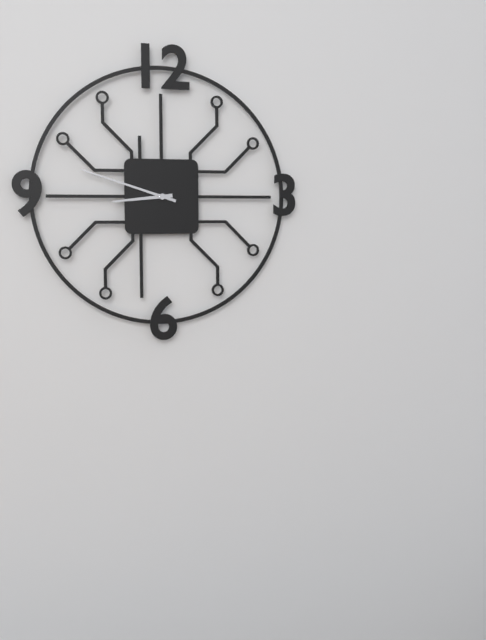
8h48
